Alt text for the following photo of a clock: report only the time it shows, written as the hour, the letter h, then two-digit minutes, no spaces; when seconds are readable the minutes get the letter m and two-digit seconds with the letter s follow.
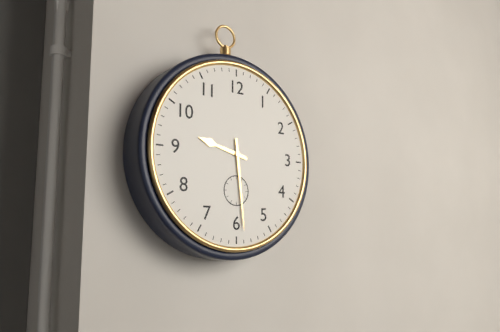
9h29
